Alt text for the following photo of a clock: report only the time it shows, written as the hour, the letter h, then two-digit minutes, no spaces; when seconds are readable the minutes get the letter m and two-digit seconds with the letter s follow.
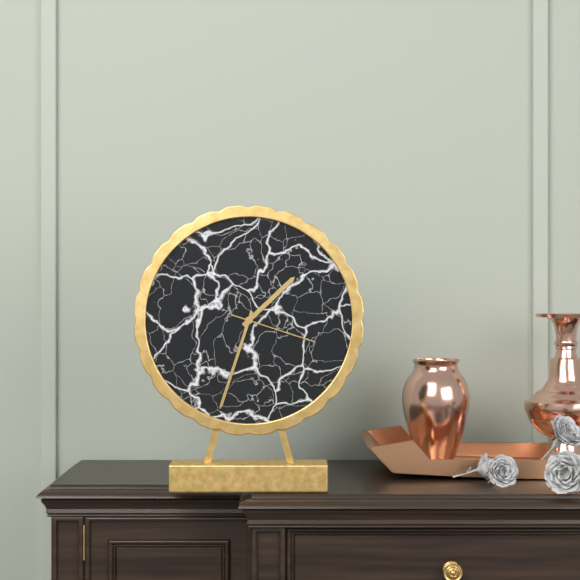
1h33m18s
